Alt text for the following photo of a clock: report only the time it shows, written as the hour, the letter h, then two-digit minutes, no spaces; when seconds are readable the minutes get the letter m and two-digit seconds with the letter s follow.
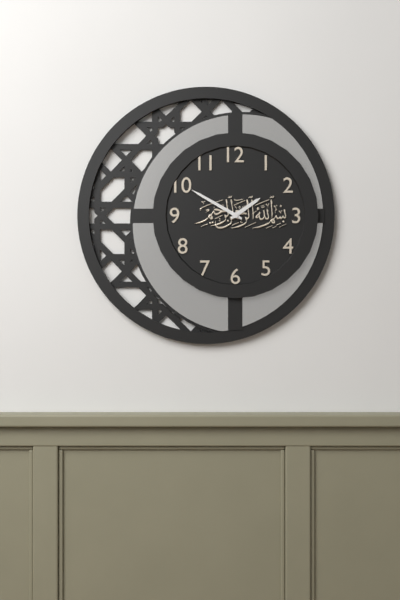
1h50
